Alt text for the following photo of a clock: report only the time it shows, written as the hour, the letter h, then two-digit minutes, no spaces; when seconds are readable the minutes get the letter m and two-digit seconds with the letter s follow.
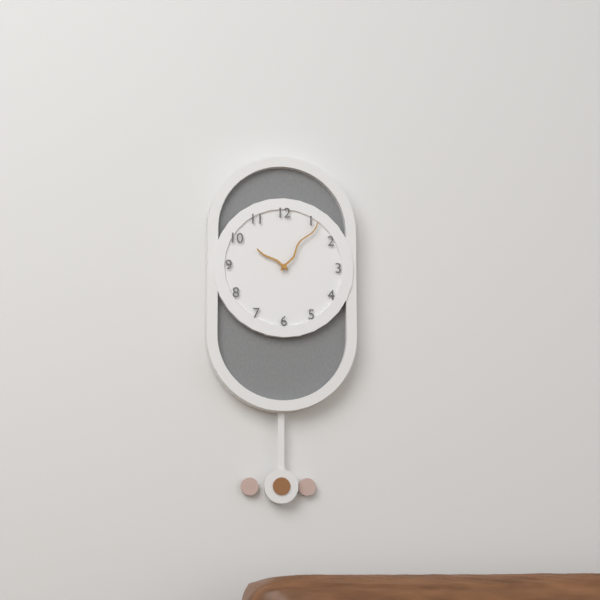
10h06
